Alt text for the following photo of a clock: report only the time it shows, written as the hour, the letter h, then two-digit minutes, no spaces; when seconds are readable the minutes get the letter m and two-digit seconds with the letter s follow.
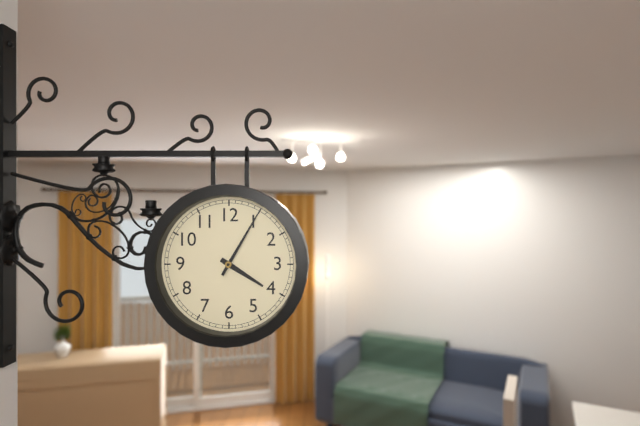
4h05
